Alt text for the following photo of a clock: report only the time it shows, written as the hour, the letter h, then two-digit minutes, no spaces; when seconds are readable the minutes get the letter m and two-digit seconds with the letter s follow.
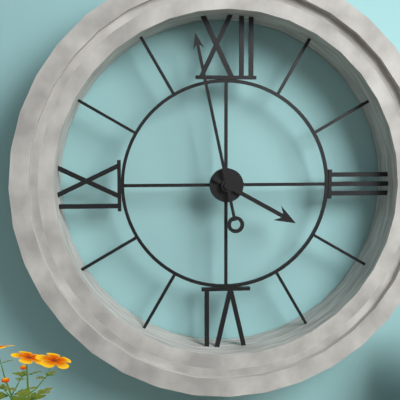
3h58
